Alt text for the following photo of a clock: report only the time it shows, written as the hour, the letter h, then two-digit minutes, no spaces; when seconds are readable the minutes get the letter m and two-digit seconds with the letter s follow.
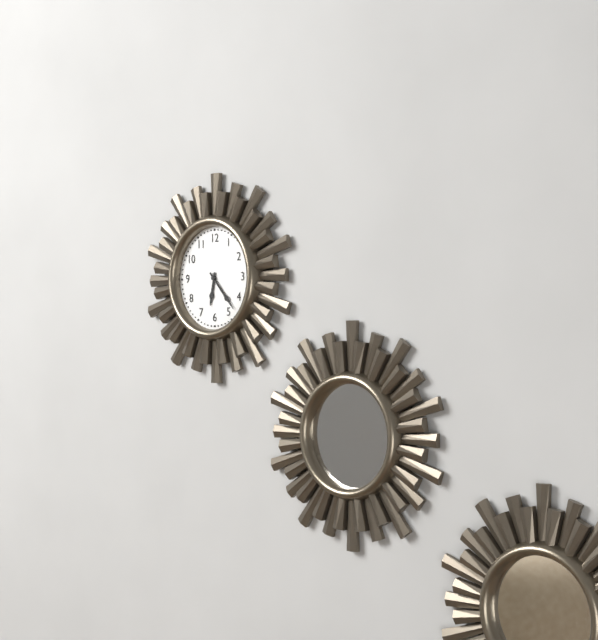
6h23
